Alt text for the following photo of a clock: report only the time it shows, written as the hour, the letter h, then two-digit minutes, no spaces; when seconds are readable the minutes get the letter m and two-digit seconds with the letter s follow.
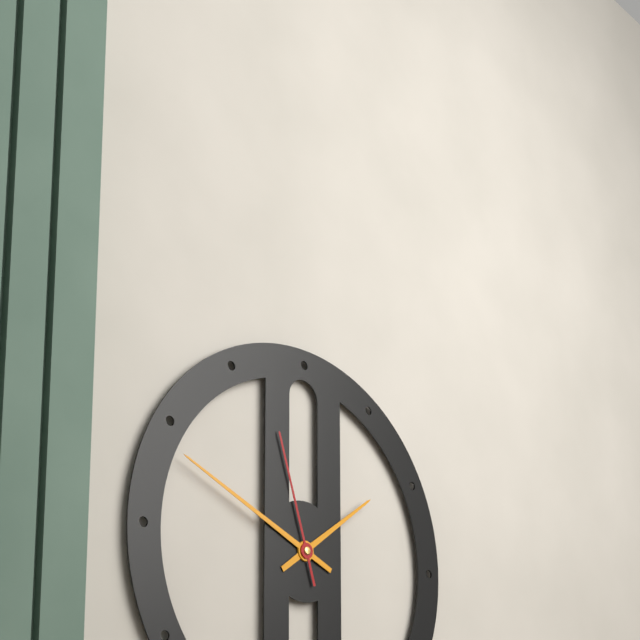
1h49m57s
